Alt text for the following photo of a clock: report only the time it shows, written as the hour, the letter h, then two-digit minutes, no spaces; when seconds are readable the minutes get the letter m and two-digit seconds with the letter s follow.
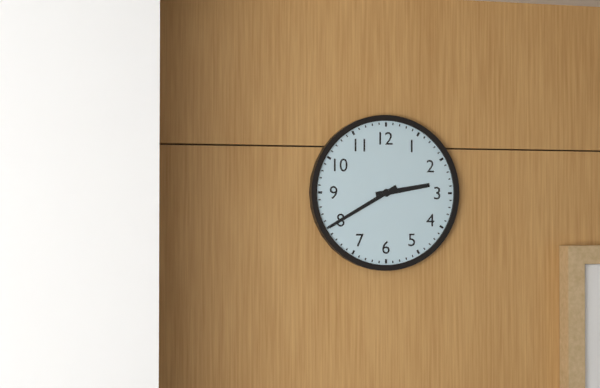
2h40
